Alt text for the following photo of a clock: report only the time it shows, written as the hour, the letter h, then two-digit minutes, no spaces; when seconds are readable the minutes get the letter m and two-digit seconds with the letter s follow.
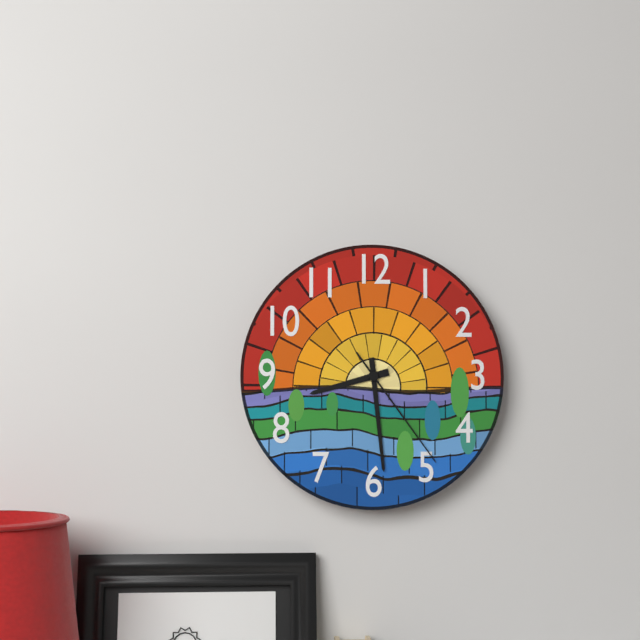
8h29m24s
